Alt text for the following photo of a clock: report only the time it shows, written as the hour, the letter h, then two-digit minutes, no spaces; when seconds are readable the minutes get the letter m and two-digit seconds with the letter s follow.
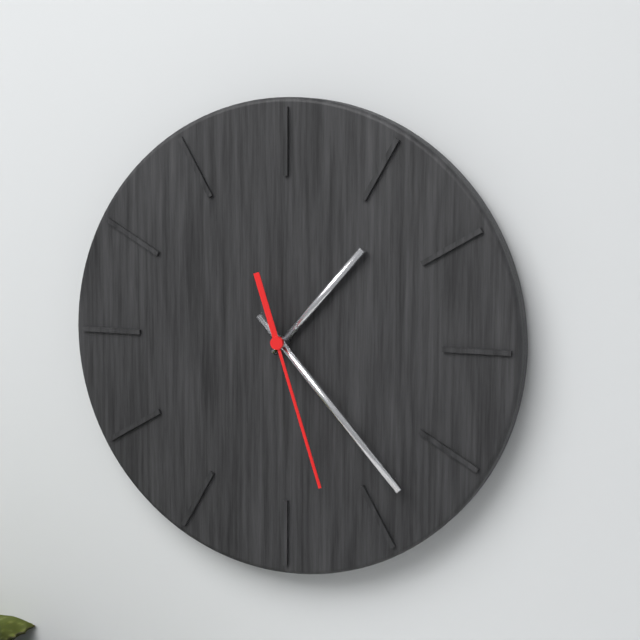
1h23m27s
